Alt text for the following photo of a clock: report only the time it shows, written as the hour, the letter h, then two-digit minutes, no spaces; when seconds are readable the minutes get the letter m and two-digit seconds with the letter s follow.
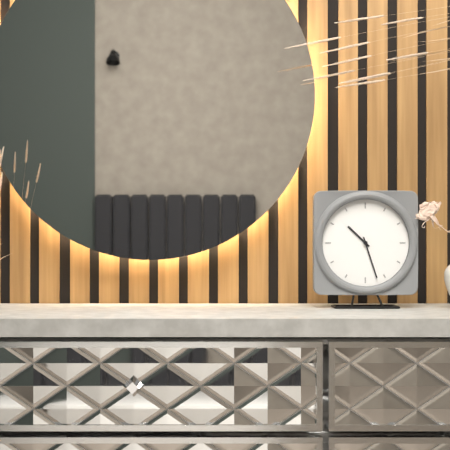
10h27
